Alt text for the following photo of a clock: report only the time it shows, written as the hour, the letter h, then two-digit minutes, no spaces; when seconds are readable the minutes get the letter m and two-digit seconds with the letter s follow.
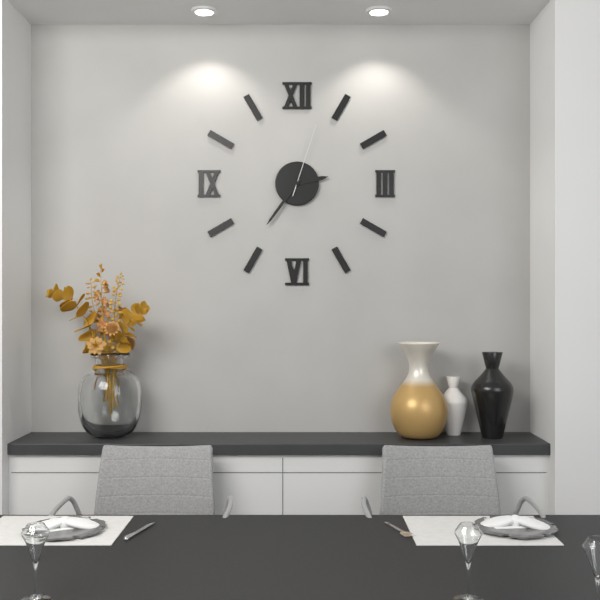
2h36m03s
